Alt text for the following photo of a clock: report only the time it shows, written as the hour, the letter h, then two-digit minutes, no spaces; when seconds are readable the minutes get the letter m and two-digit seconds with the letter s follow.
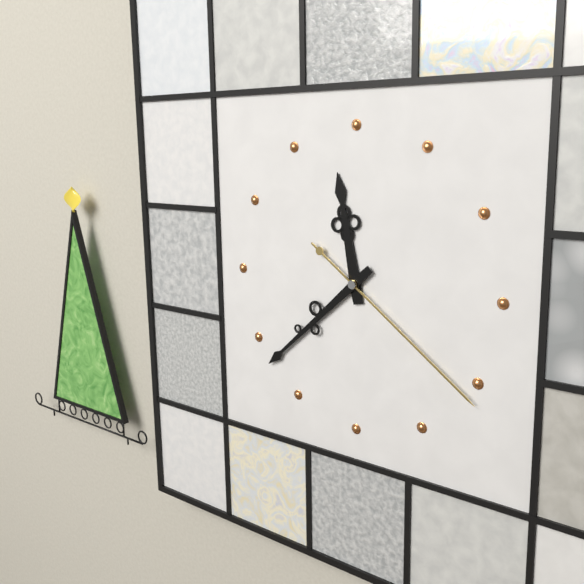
11h38m21s
